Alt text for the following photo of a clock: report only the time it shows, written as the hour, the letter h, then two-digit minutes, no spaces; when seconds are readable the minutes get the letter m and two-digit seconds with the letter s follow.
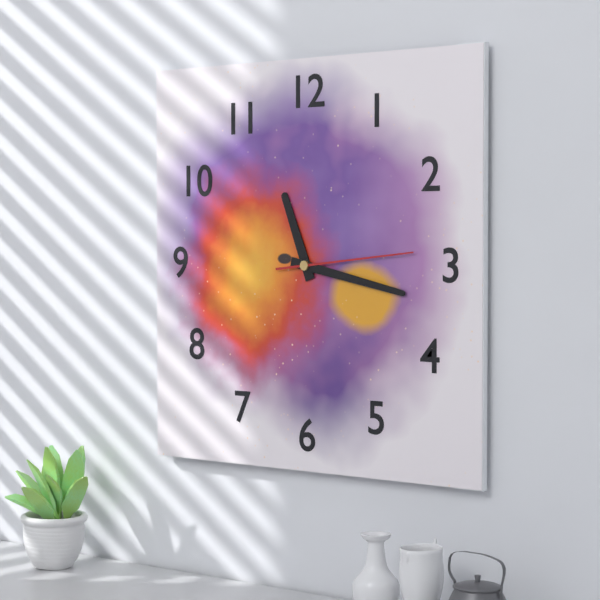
11h17m14s
